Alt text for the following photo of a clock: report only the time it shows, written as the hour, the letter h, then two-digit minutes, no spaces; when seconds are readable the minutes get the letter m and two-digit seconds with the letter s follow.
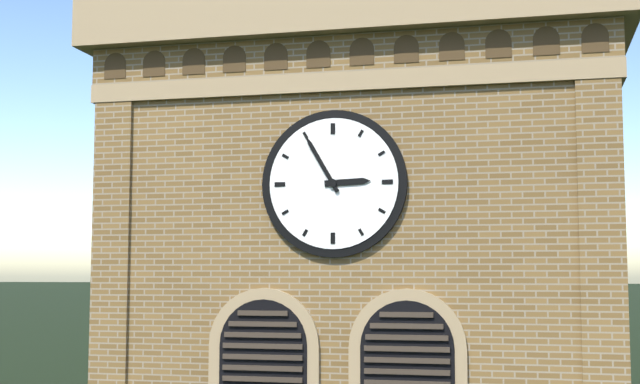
2h55
